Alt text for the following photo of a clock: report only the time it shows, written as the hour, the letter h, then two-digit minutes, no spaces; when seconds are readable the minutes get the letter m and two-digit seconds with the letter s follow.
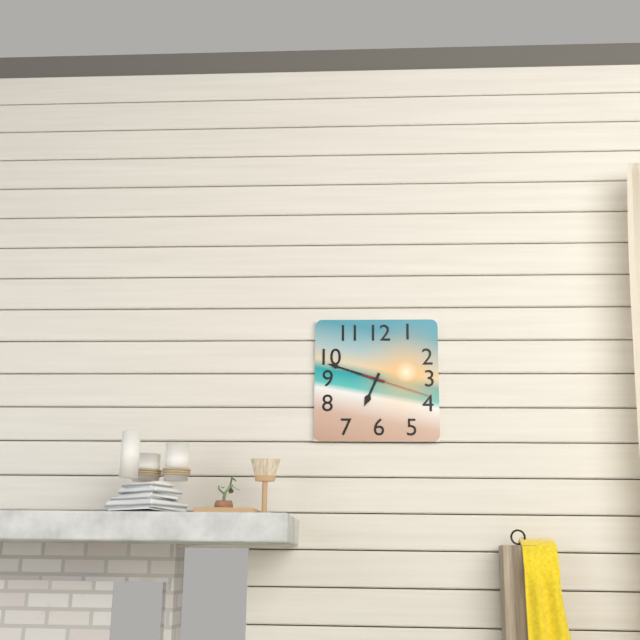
6h48m18s
